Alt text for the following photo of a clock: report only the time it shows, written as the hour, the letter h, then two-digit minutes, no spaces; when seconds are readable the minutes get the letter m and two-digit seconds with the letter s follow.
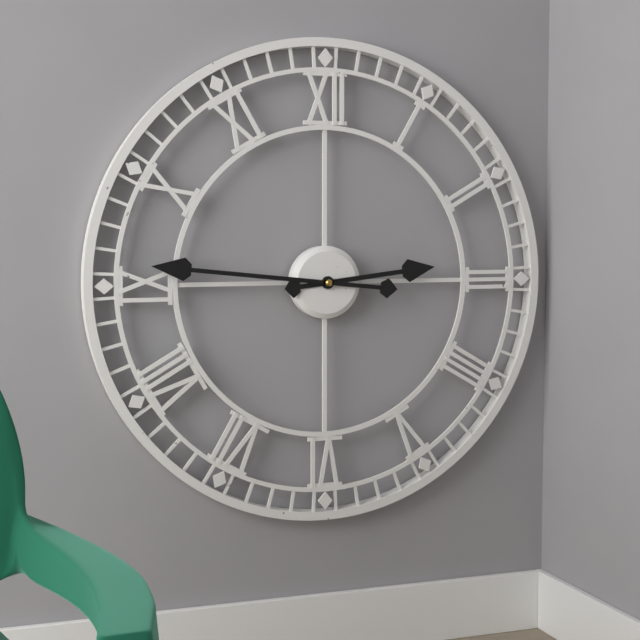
2h46
